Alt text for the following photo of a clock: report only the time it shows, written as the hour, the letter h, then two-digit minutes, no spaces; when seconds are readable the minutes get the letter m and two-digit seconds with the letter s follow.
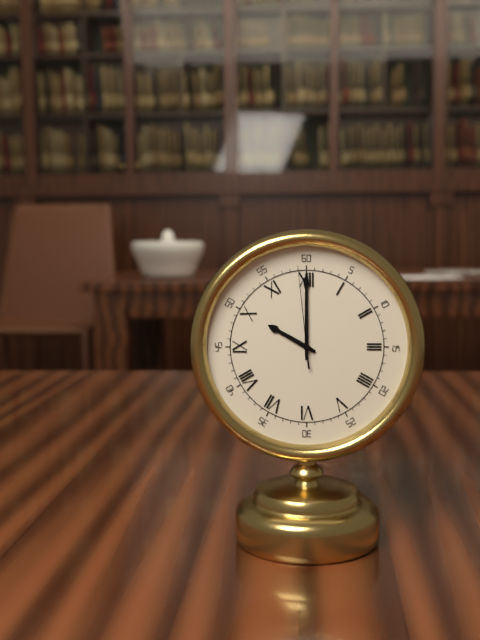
10h00m59s
